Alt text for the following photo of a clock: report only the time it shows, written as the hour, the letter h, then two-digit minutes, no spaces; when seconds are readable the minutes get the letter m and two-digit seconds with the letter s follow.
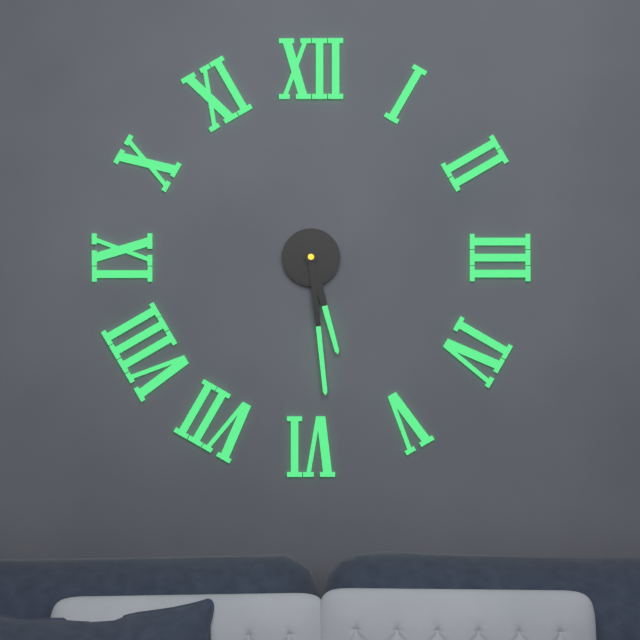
5h29
